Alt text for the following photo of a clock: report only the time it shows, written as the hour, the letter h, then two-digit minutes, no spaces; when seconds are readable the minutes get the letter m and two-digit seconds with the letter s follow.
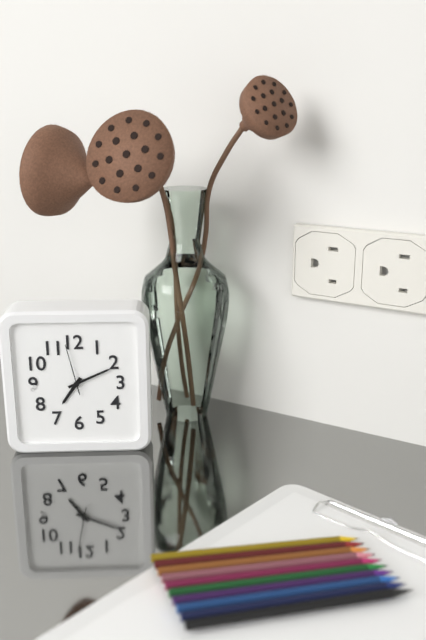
7h11m58s
